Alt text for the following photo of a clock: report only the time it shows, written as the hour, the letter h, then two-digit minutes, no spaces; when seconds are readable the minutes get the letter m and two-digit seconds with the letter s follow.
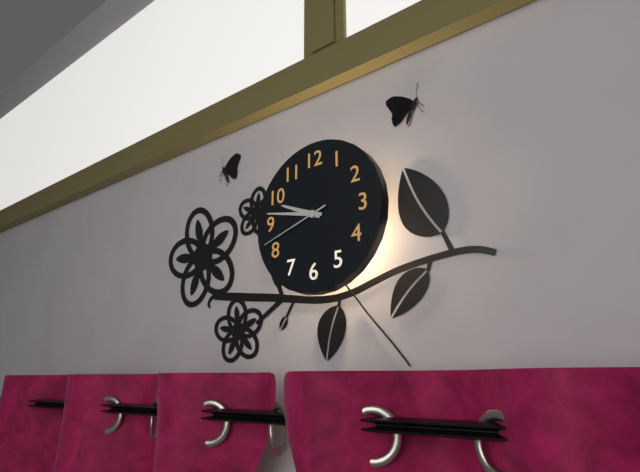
9h47m42s
